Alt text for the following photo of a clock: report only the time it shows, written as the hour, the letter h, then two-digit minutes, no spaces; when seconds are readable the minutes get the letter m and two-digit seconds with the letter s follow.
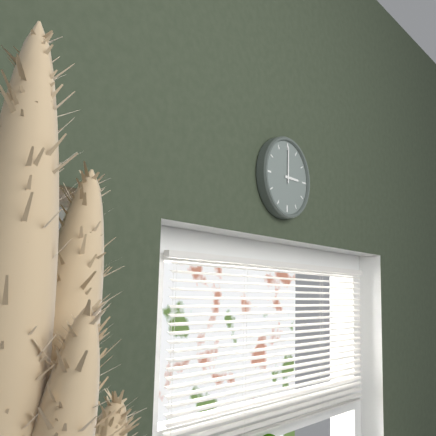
3h00
